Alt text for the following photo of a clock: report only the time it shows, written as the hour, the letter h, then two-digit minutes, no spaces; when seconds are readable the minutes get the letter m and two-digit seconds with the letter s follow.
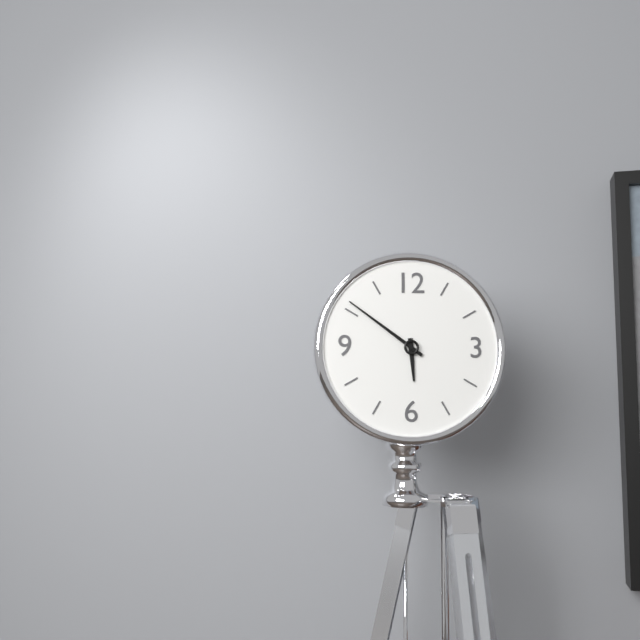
5h51
